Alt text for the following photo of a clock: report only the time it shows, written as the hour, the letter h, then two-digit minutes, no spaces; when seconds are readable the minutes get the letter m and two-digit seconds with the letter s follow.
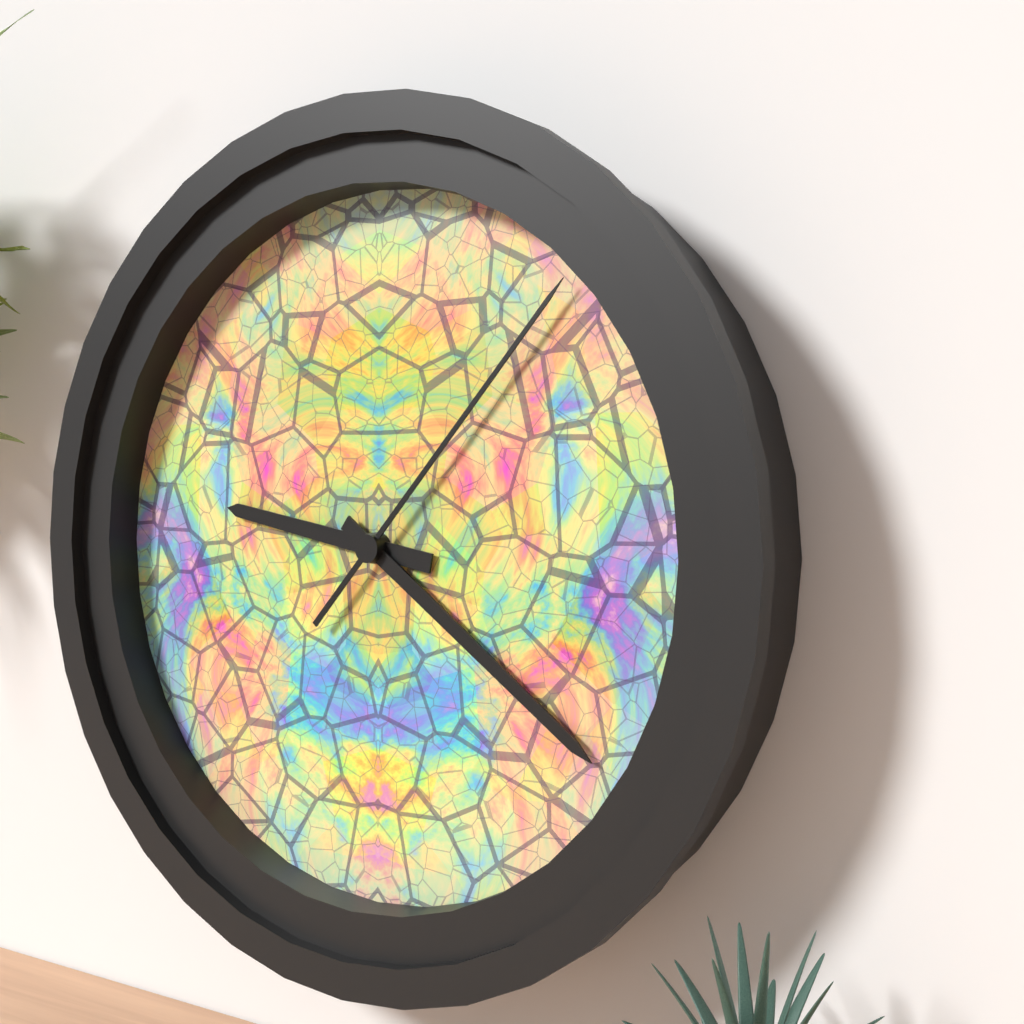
9h21m07s
